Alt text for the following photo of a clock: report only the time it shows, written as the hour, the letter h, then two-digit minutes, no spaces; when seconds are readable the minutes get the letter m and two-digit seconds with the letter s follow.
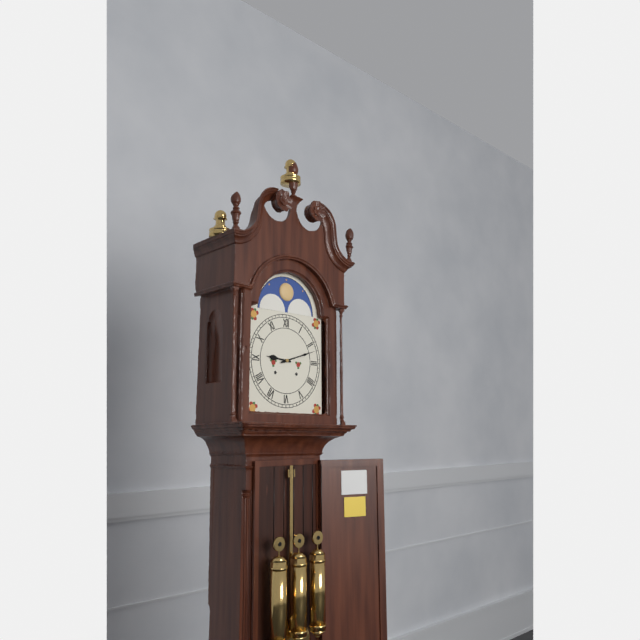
9h12
